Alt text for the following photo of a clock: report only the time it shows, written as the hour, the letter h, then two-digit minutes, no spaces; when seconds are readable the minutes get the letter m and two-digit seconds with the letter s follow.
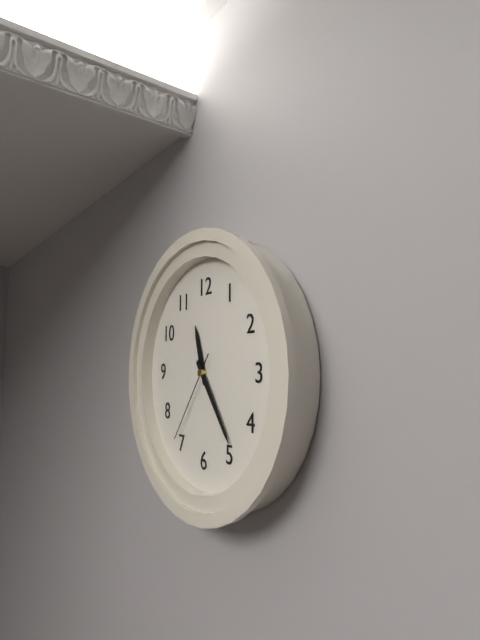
11h24m36s
